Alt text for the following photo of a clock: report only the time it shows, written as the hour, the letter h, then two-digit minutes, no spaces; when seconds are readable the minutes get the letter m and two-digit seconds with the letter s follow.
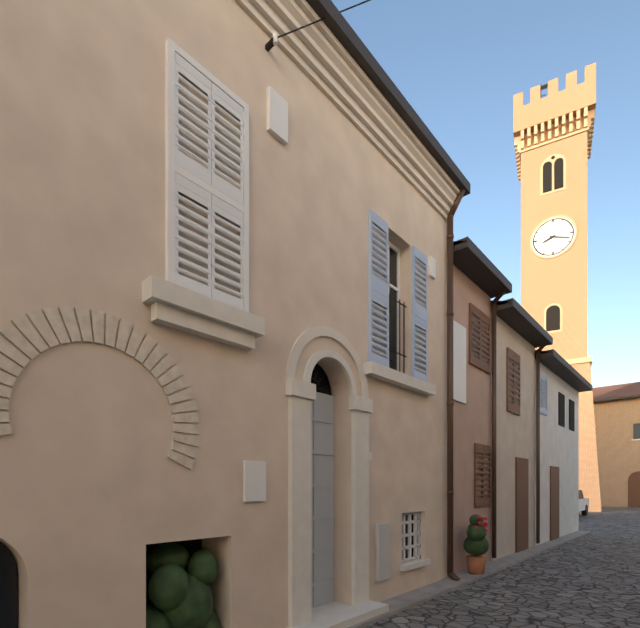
8h18
